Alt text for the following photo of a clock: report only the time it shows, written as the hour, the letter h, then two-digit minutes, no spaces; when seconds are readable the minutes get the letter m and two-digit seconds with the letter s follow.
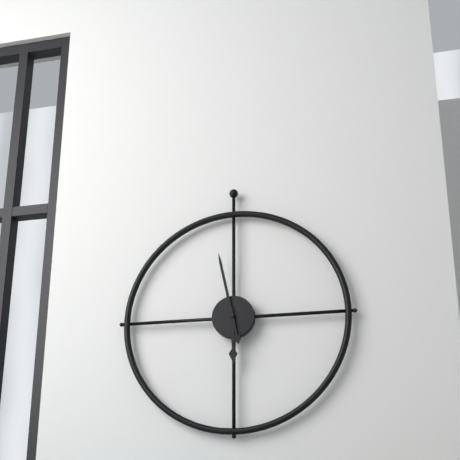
5h58
